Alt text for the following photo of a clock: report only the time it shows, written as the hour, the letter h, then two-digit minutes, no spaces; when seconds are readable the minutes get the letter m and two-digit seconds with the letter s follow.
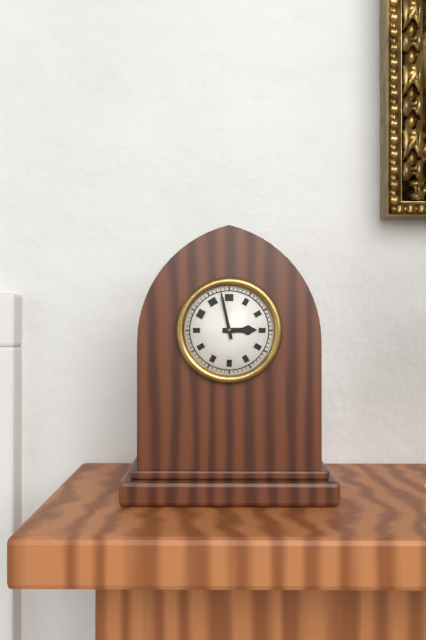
2h58
